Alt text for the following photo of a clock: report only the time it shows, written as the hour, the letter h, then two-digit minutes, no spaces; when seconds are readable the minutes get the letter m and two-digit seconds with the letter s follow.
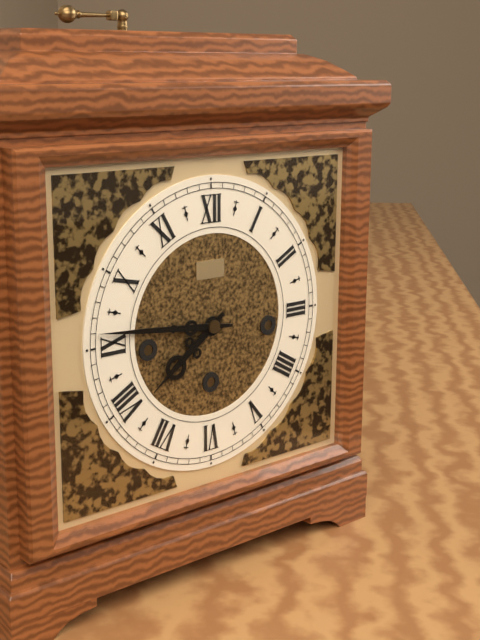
7h46
